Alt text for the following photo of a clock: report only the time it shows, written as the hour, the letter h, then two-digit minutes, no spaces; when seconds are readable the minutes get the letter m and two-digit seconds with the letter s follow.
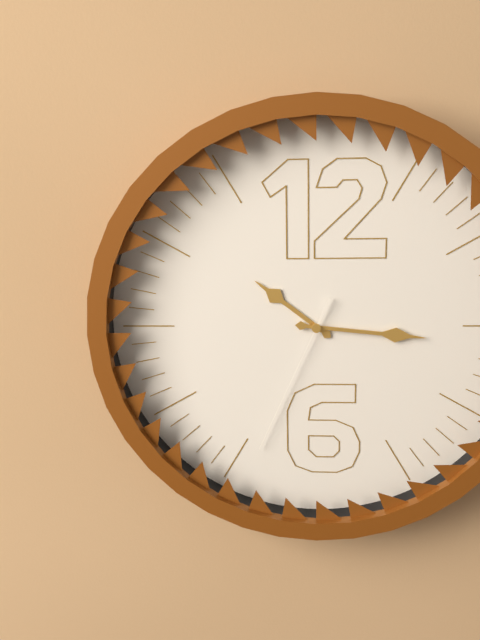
10h16m34s
